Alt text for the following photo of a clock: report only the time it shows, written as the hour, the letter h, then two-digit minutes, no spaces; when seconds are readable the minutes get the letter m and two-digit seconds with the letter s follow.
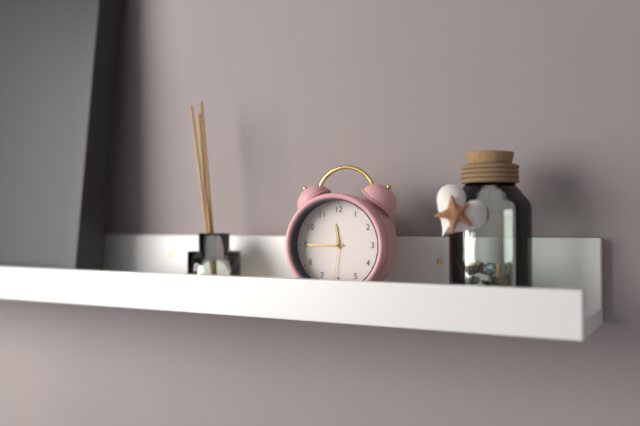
11h45
